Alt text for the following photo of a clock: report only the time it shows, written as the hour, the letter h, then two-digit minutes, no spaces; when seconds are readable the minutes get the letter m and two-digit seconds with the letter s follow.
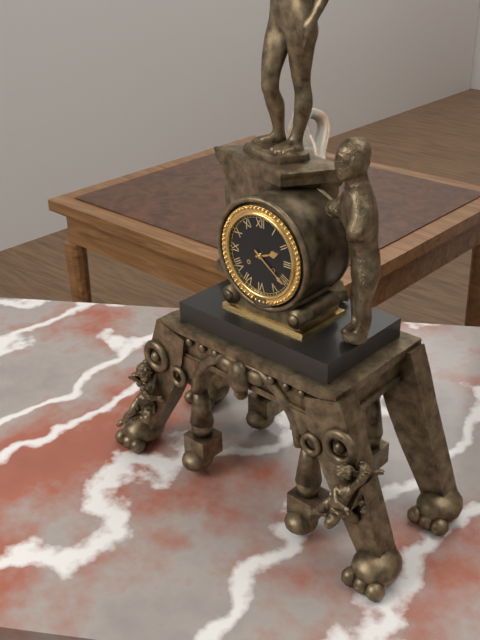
2h21
